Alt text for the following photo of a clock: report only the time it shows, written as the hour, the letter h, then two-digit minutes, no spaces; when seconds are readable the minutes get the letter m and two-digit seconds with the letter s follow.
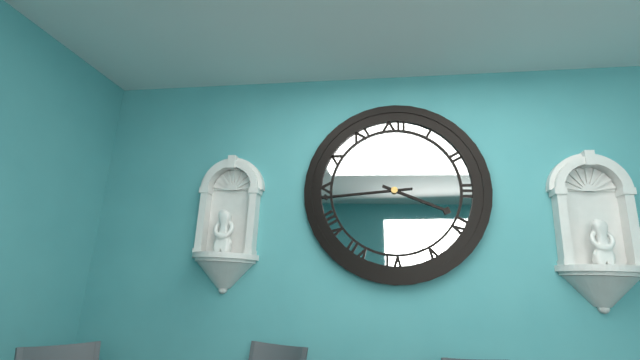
3h44
